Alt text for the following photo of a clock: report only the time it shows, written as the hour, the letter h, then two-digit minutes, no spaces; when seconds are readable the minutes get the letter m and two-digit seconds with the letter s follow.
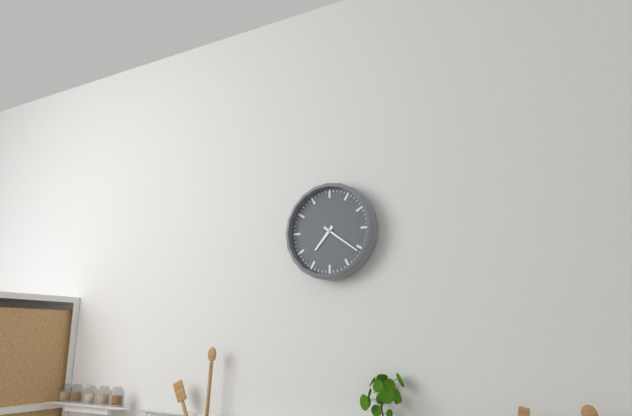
7h21
